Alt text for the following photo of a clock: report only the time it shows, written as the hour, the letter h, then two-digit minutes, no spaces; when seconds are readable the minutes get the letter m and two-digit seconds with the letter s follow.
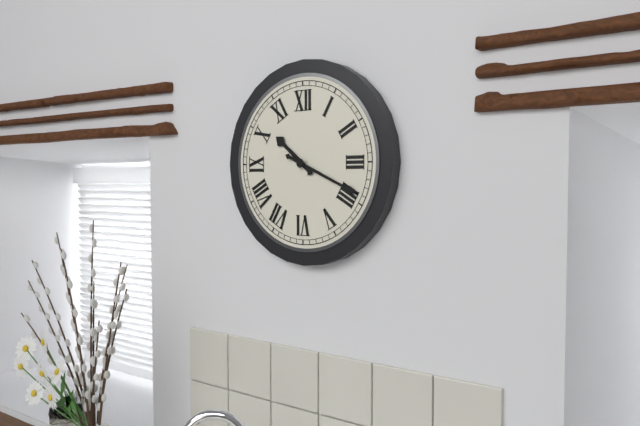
10h19
